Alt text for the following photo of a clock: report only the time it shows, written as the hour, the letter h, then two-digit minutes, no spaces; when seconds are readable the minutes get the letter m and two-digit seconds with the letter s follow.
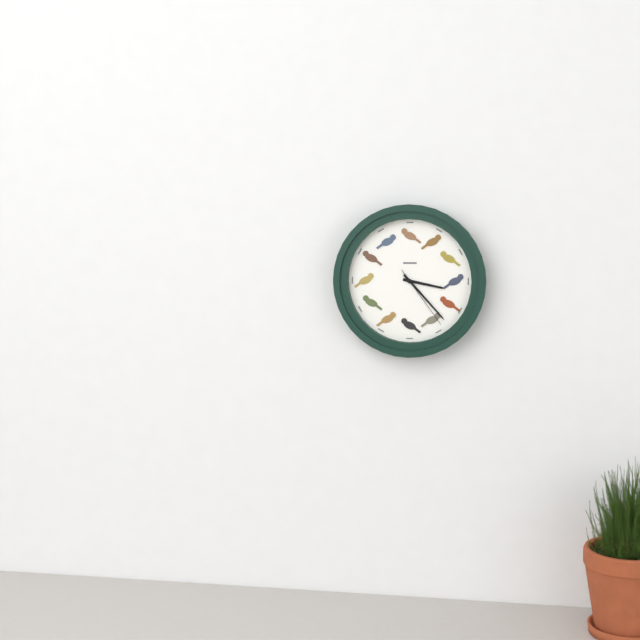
3h23m24s
